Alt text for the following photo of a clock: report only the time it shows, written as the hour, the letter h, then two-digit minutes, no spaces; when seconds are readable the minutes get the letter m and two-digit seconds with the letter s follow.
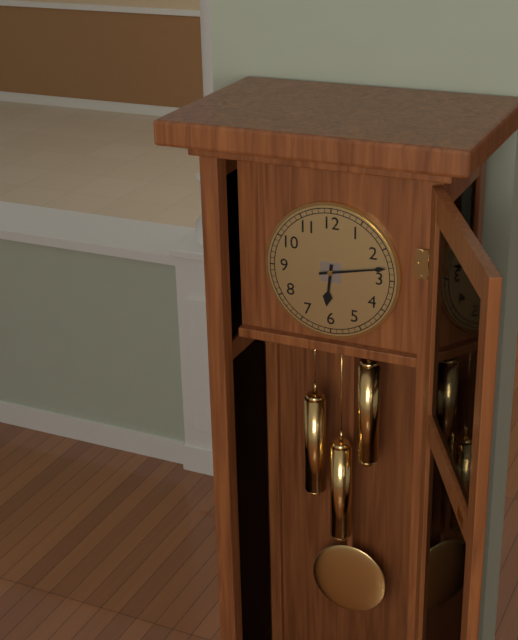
6h13
